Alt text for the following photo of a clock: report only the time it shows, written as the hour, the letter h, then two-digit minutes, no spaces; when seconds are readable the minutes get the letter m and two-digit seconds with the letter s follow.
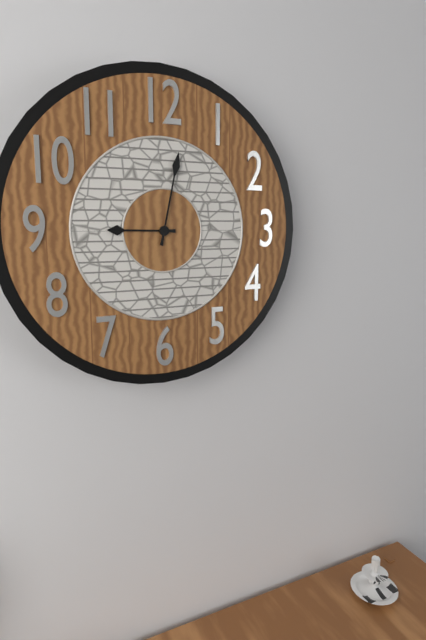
9h02
